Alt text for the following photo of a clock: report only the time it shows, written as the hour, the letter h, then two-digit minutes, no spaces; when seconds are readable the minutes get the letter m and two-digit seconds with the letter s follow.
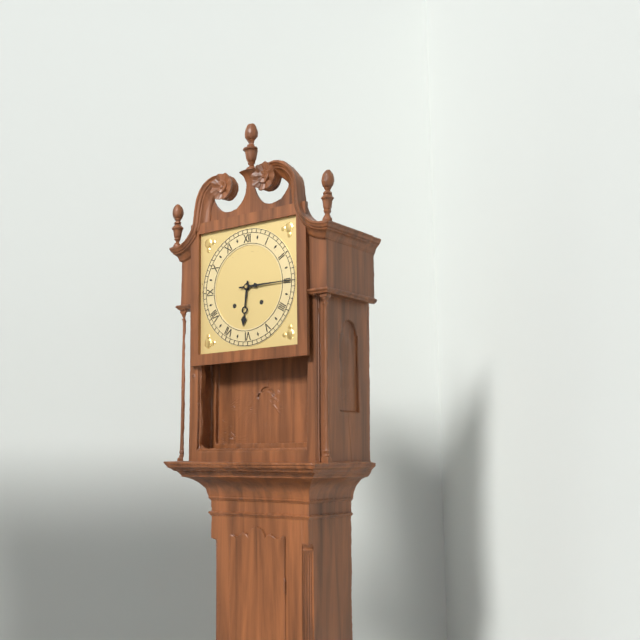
6h15
